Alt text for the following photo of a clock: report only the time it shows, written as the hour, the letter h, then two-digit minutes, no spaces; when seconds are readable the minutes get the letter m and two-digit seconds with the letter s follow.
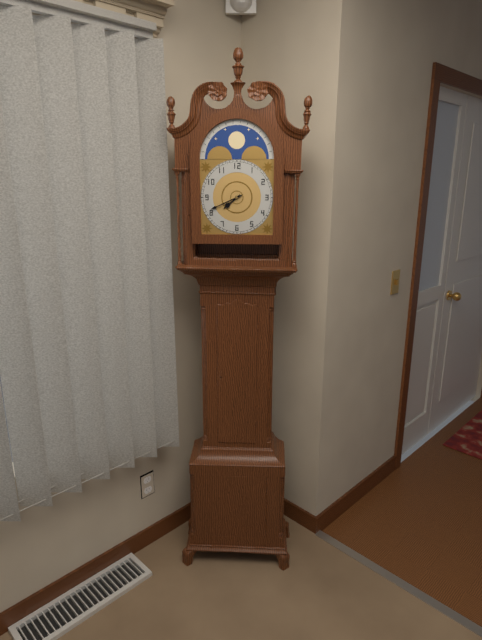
7h41
